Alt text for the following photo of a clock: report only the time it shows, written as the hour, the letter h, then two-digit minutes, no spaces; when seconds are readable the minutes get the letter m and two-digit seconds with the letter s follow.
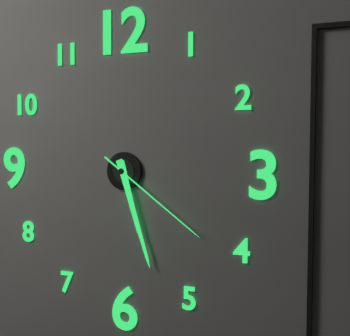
5h27m21s
